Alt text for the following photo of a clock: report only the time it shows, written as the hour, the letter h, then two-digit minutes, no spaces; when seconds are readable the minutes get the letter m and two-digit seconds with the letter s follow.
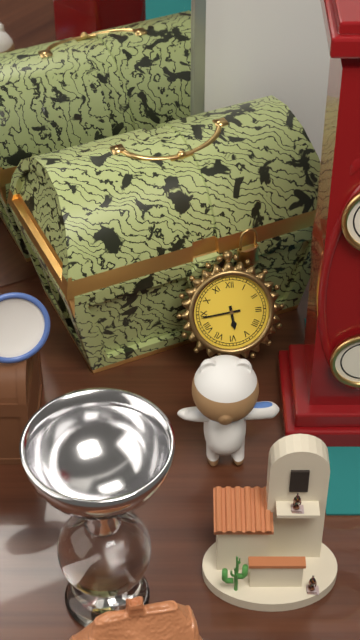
5h44
